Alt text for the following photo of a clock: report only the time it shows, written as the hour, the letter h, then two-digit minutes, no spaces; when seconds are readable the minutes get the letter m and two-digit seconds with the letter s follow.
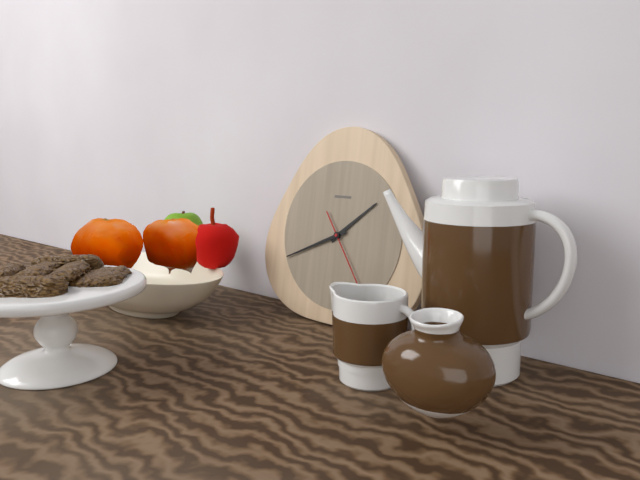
1h41m24s
